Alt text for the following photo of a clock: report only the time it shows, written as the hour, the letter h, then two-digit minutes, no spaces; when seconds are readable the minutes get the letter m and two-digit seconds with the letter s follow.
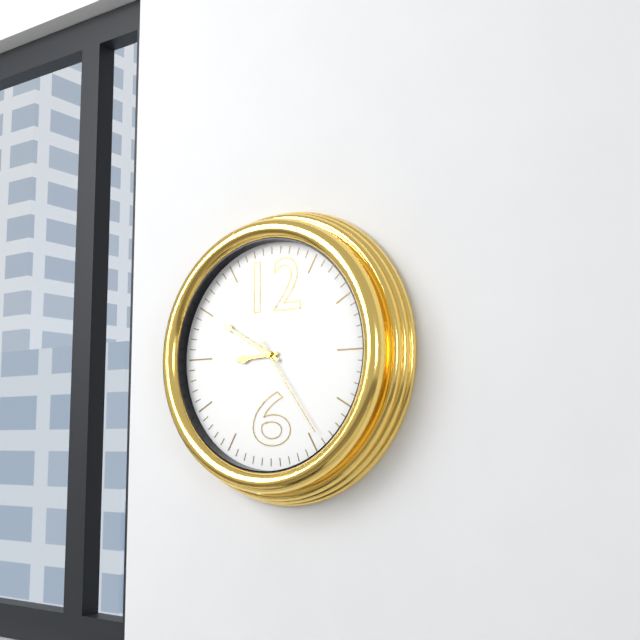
8h50m24s
